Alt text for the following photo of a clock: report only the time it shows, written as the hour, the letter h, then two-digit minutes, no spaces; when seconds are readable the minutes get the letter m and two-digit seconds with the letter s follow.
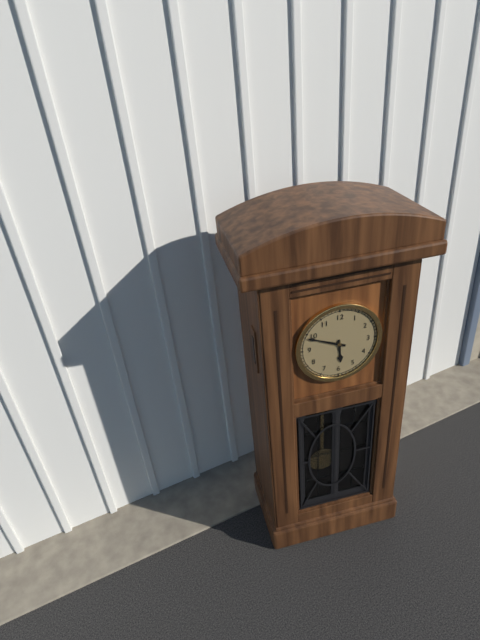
5h49
